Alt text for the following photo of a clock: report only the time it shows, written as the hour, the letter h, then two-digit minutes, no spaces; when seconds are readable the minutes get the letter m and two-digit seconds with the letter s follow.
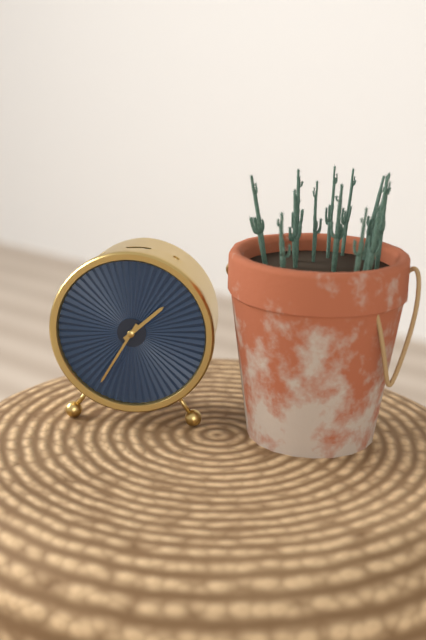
1h35
